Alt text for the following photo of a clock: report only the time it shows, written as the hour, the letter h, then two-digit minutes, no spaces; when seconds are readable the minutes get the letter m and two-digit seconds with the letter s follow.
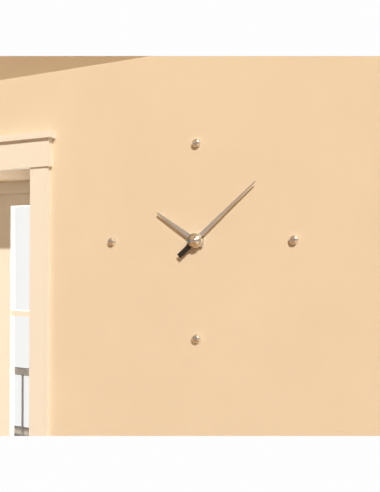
10h08
